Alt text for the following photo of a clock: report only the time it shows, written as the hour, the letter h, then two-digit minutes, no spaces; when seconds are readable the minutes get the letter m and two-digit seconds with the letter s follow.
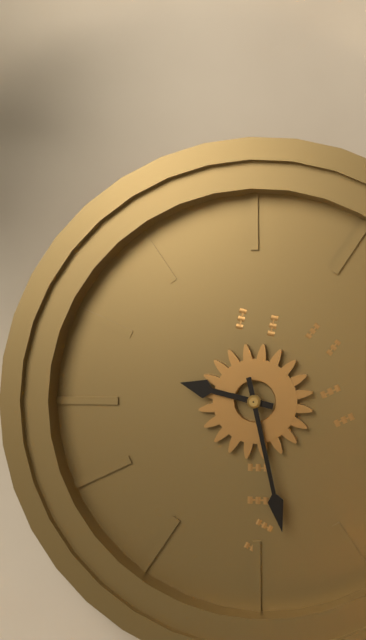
9h28
